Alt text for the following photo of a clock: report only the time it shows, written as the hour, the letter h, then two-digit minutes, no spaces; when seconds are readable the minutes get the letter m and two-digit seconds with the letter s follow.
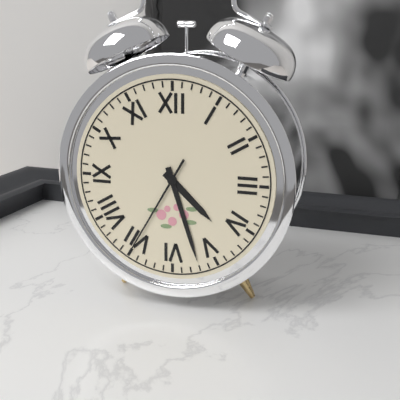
4h27m35s
